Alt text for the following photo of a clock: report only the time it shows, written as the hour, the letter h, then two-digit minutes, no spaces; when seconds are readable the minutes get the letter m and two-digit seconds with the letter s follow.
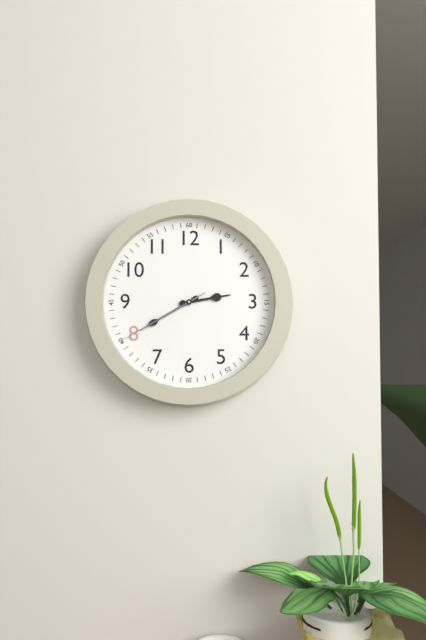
2h40m40s
